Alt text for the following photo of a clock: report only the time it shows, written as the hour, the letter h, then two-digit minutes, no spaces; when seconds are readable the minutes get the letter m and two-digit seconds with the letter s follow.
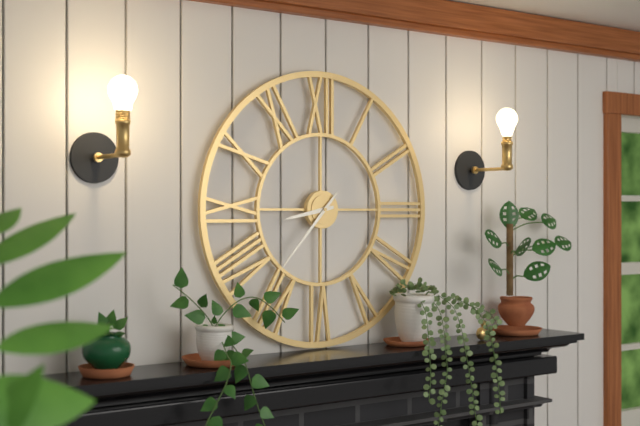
8h37
